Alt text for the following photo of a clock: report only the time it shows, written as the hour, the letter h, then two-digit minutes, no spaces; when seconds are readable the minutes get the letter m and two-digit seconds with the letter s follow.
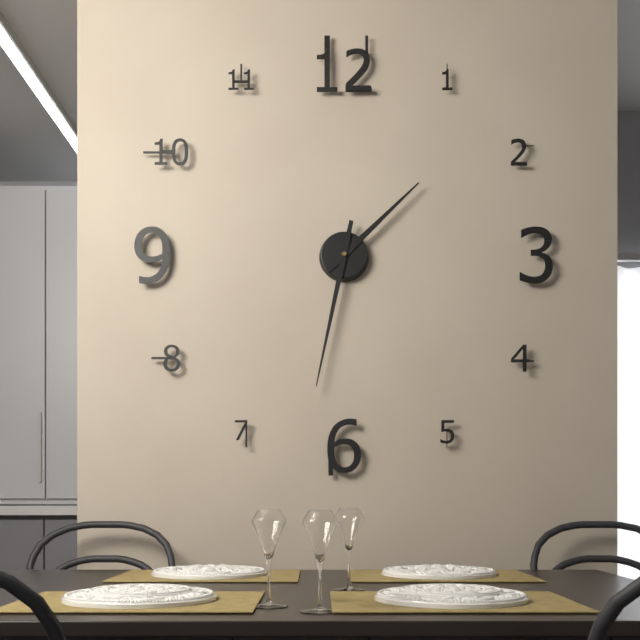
1h32
